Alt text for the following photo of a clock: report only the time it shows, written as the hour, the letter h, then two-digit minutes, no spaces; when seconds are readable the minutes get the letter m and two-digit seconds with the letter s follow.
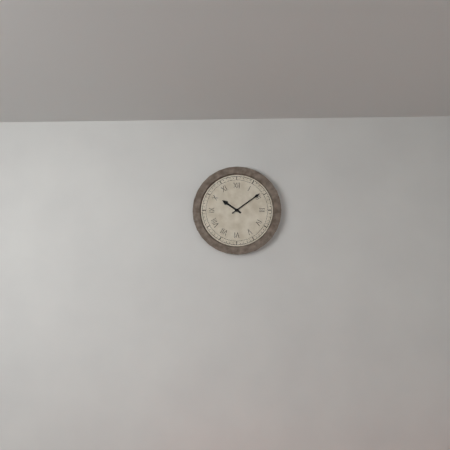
10h09
